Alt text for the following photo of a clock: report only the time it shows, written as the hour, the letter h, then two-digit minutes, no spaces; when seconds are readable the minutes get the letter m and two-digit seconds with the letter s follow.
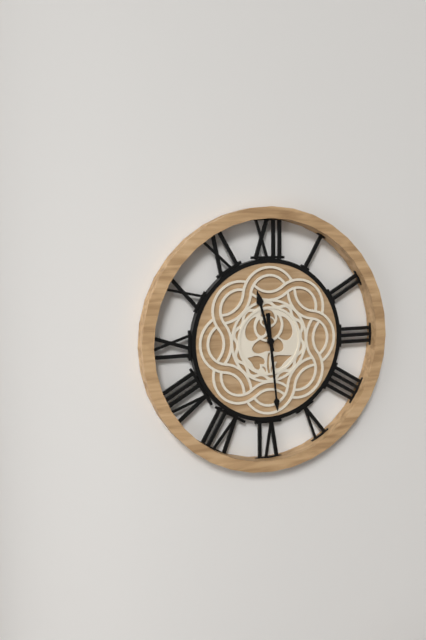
11h29
